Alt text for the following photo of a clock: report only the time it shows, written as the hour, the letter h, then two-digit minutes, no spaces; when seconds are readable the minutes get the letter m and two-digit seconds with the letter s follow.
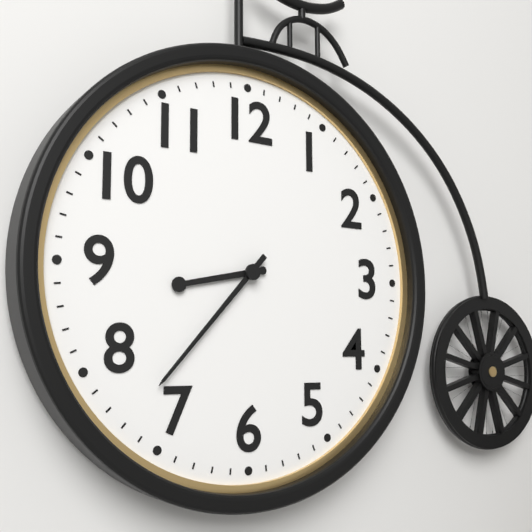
8h37
